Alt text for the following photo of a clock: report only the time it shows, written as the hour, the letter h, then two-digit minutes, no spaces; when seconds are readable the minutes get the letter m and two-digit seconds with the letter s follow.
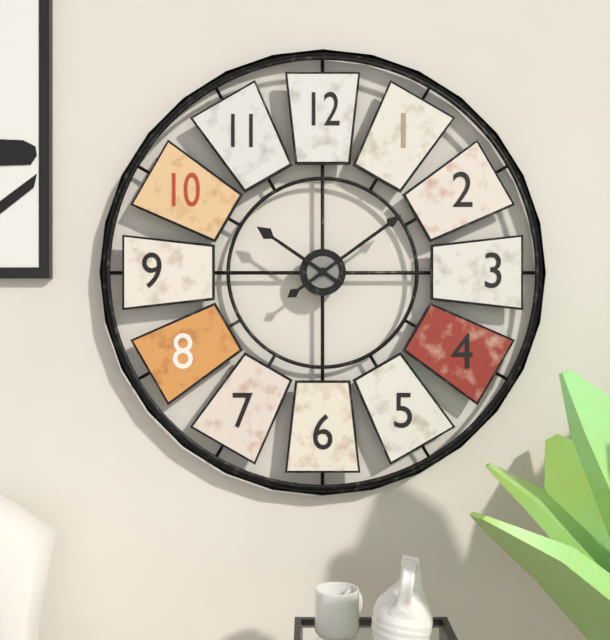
10h09
